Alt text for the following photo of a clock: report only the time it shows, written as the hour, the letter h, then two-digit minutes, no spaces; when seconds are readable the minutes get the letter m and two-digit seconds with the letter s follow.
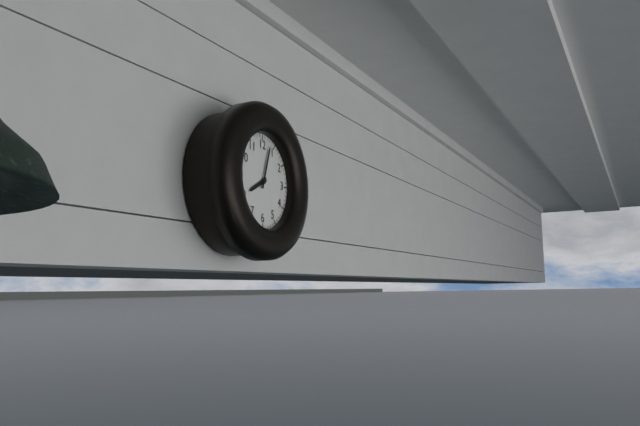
8h03
